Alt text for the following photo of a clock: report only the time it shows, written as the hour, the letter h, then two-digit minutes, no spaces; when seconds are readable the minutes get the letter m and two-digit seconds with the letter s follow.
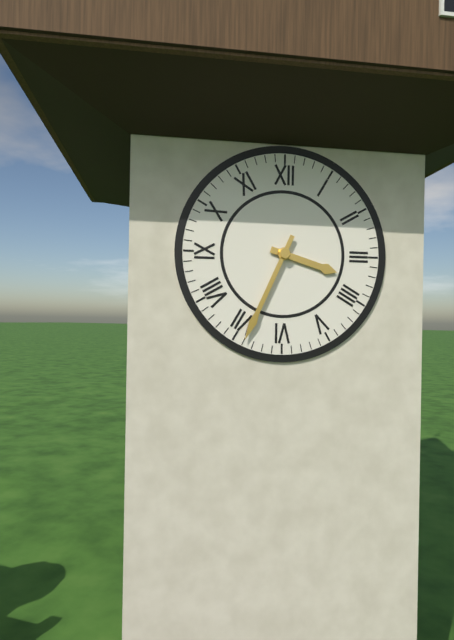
3h34
